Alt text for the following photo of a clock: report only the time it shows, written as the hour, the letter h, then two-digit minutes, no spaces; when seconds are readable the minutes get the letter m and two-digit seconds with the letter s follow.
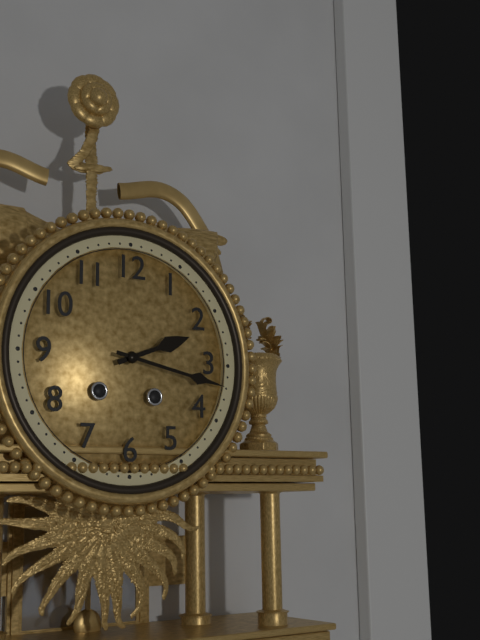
2h17
